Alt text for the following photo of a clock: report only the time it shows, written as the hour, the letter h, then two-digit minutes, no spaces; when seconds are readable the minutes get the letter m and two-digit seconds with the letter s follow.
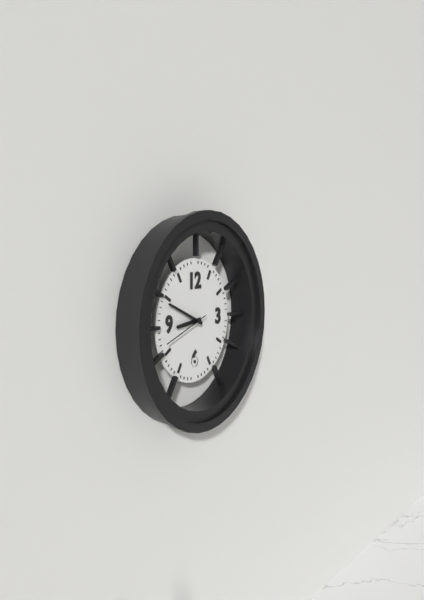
8h49
